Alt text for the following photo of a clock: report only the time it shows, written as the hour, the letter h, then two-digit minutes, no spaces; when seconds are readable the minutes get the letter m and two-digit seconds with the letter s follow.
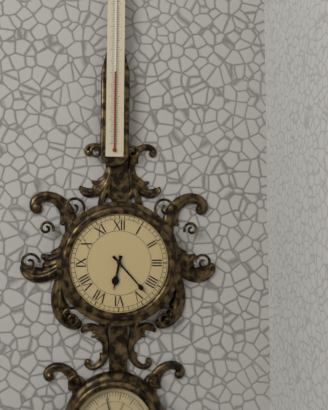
6h23
